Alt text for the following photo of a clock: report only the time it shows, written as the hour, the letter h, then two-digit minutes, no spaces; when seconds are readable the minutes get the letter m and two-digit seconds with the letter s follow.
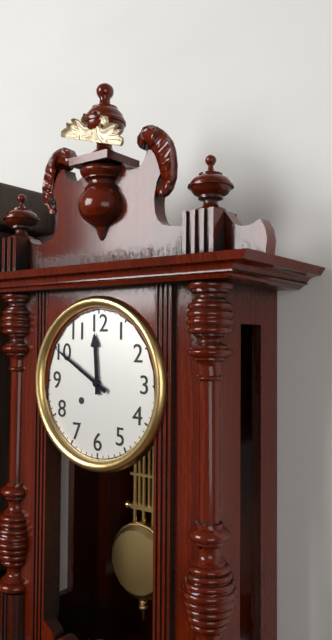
11h50
